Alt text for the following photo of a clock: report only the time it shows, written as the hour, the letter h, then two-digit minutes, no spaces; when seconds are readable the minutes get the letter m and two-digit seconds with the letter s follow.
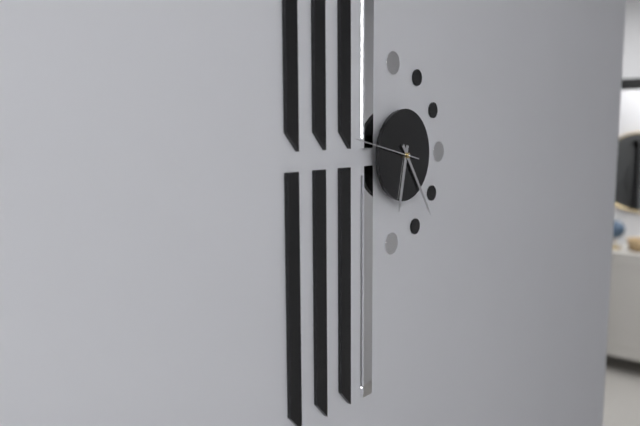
6h24m47s
